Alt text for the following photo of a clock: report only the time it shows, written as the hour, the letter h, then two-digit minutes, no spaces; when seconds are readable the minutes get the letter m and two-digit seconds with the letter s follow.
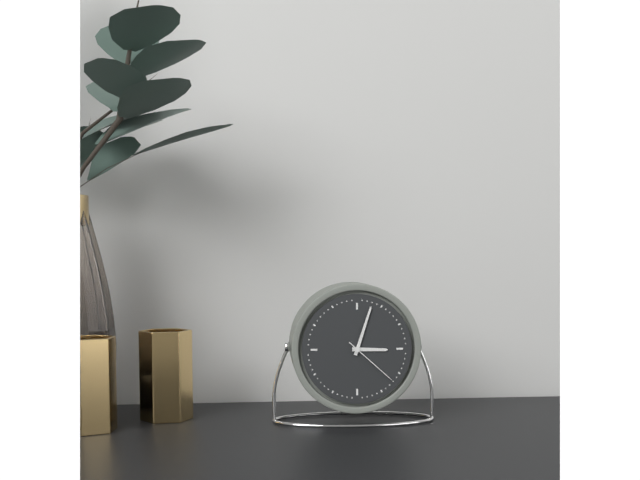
3h03m22s
